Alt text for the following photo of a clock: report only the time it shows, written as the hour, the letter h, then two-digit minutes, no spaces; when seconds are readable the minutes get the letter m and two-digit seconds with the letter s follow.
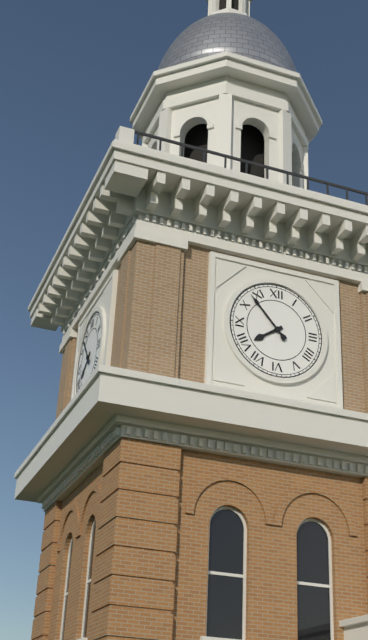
7h53
